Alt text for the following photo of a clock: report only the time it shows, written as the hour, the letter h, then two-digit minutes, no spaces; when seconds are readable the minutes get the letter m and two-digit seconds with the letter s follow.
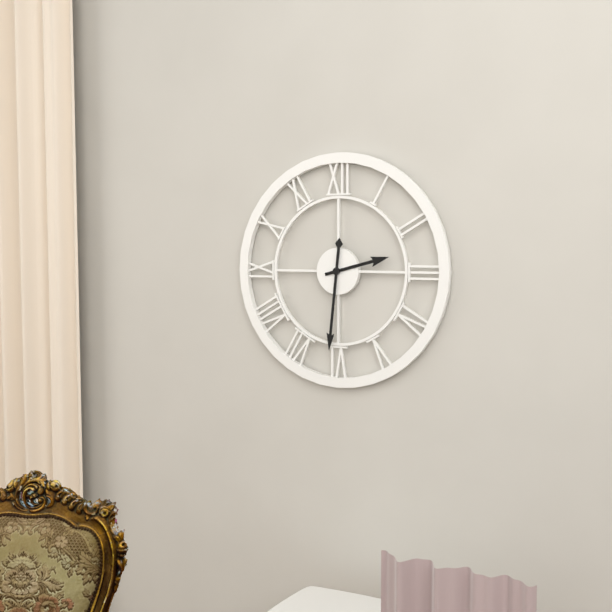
2h31
